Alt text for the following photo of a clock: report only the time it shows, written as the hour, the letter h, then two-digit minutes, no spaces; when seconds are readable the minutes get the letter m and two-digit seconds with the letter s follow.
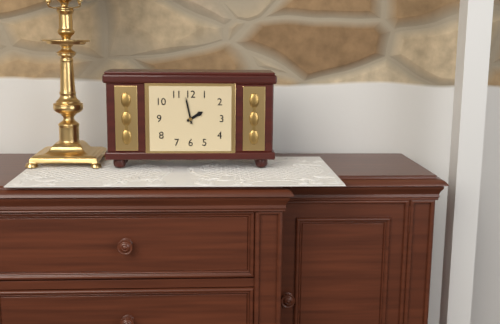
1h58
